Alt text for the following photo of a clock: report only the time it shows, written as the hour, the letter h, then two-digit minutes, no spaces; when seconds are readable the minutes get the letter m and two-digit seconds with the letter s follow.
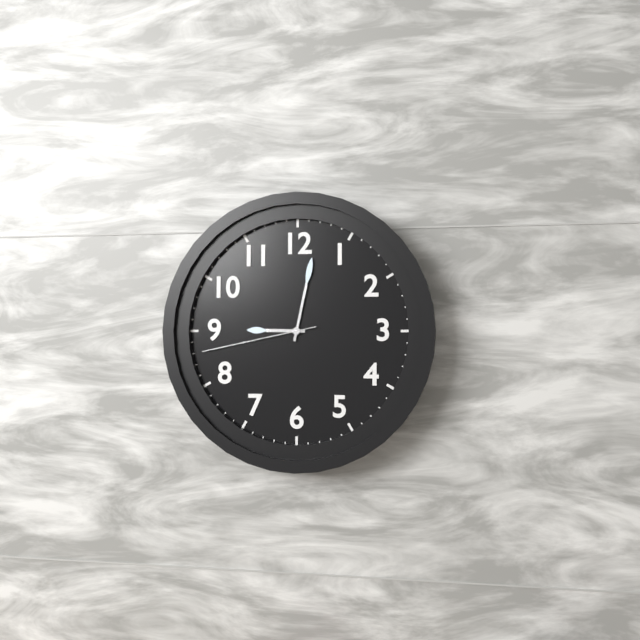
9h02m43s
